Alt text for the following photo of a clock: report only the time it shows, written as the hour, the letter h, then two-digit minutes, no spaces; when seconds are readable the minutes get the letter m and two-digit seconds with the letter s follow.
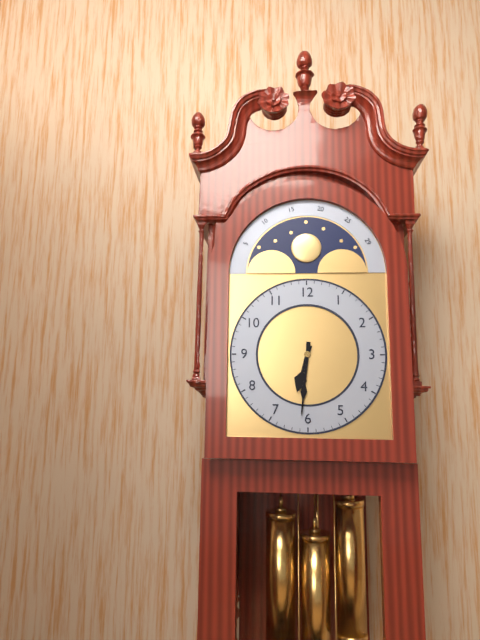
6h31
